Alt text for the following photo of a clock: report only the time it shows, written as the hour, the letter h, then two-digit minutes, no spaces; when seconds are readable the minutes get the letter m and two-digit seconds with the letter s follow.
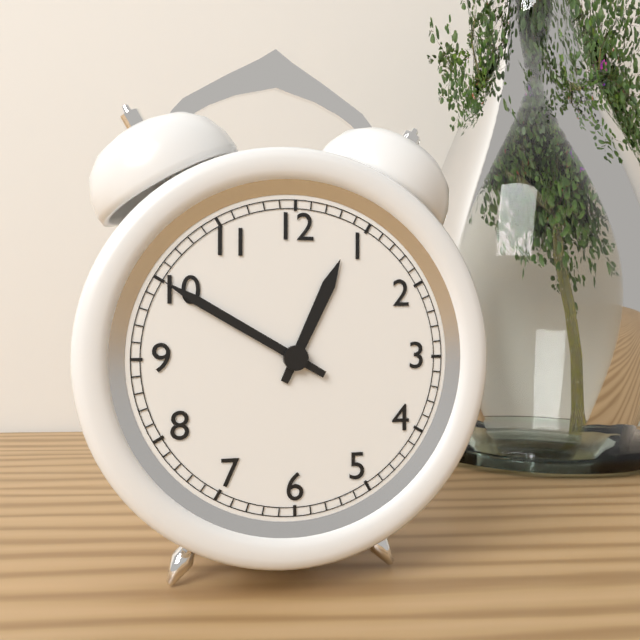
12h50
